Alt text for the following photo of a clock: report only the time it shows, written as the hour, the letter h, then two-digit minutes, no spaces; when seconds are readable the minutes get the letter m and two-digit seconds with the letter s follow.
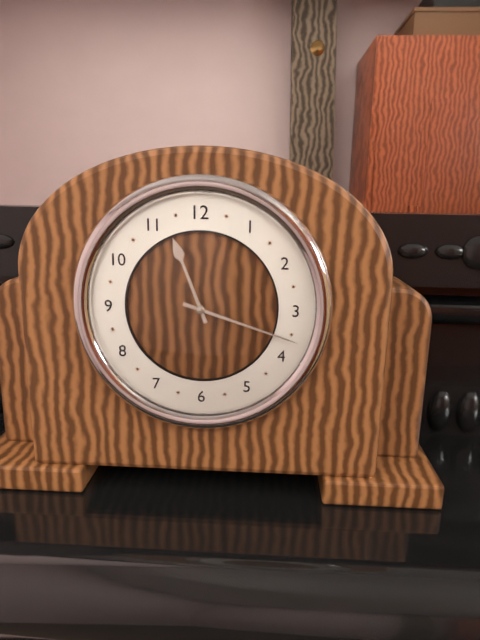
11h18
